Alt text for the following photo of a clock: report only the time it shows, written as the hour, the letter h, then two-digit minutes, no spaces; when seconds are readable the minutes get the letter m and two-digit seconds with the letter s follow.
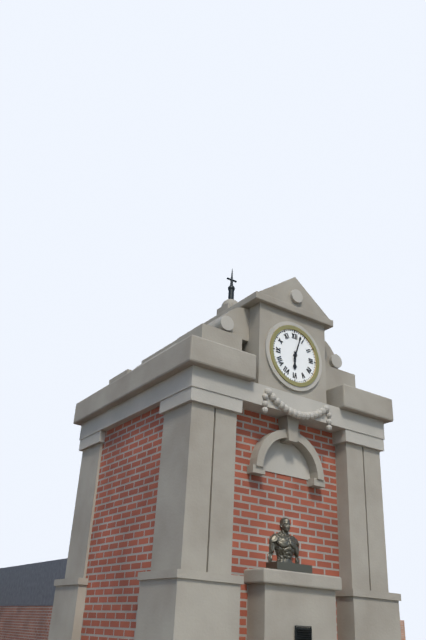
6h03
